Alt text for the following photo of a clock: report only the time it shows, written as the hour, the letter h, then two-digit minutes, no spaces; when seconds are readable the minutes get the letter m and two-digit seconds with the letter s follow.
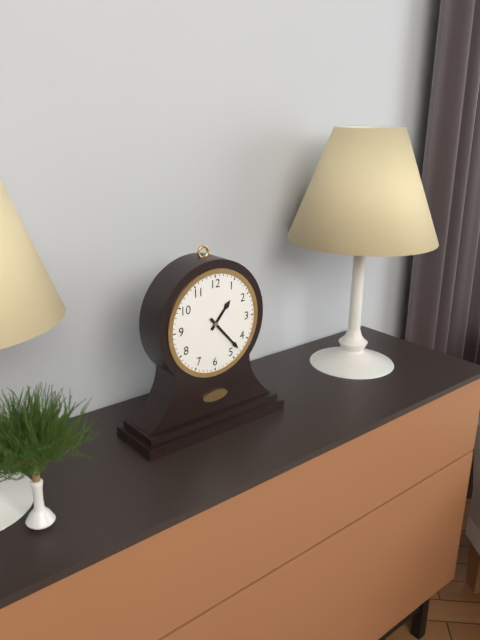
1h23
